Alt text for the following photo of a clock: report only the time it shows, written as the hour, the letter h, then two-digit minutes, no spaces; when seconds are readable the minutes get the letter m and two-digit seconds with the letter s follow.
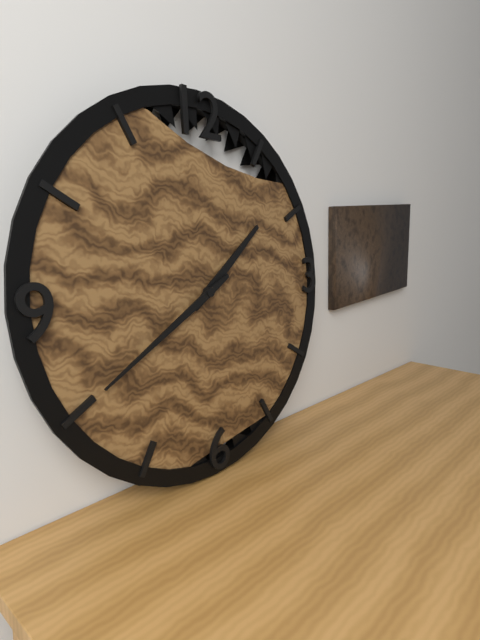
1h40
